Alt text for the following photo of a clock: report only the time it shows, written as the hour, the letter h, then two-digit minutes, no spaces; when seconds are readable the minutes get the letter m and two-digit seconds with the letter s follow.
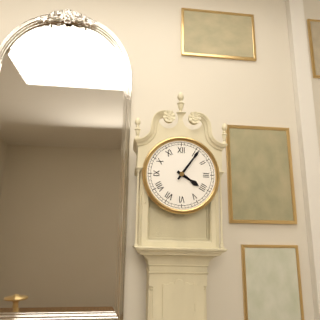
4h06
